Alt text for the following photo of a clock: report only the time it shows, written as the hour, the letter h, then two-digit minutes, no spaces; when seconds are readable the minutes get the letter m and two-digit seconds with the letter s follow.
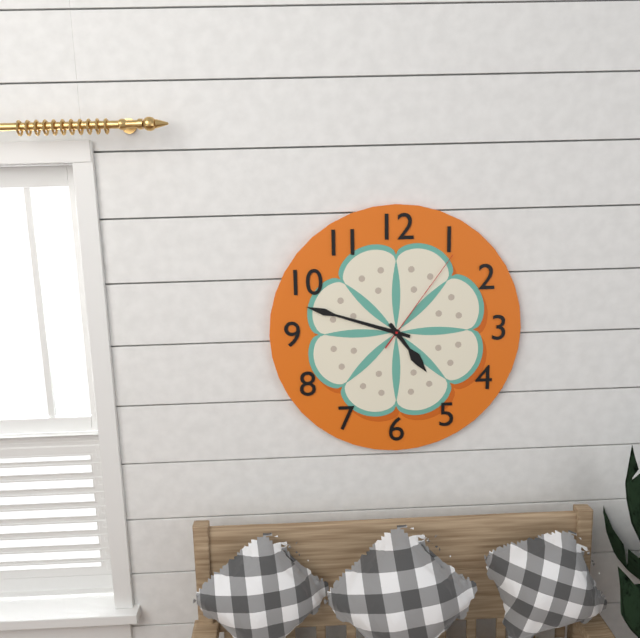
4h48m06s
